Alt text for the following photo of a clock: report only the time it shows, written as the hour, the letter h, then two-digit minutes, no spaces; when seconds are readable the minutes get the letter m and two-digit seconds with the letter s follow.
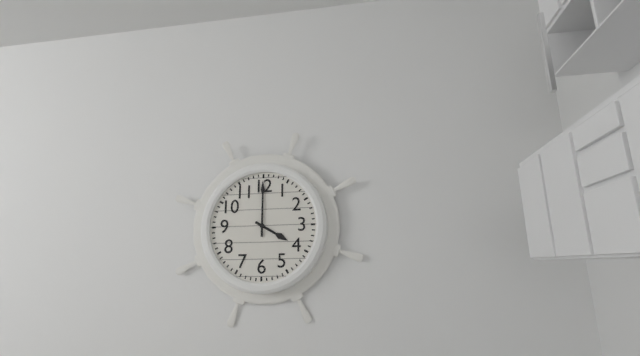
4h00
